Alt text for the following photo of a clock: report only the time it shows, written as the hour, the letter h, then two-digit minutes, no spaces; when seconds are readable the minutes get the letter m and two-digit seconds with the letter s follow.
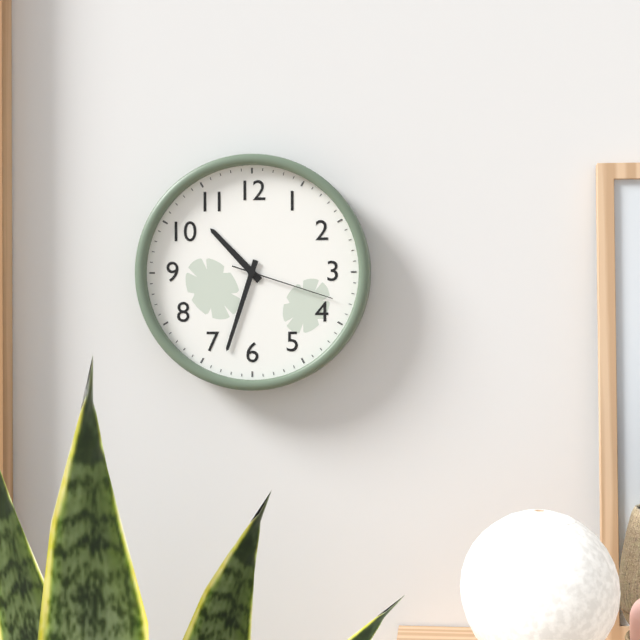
10h33m18s
